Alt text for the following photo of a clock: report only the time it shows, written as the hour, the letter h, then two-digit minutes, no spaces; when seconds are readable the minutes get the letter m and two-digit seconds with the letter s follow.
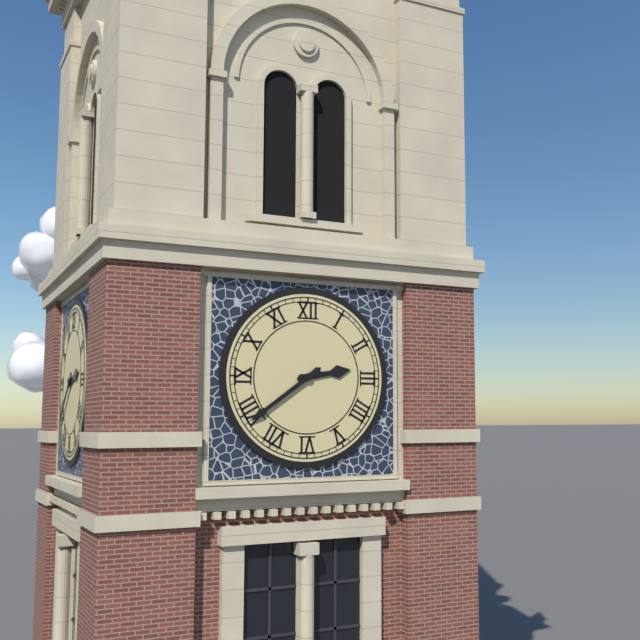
2h39
